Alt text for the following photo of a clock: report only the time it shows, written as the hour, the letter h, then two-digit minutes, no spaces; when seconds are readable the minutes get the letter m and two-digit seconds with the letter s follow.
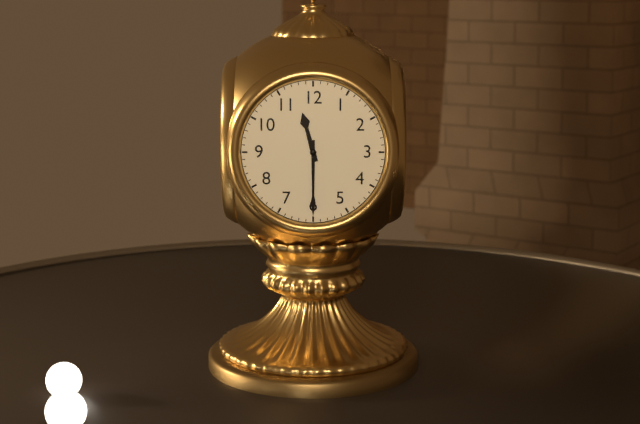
11h30
